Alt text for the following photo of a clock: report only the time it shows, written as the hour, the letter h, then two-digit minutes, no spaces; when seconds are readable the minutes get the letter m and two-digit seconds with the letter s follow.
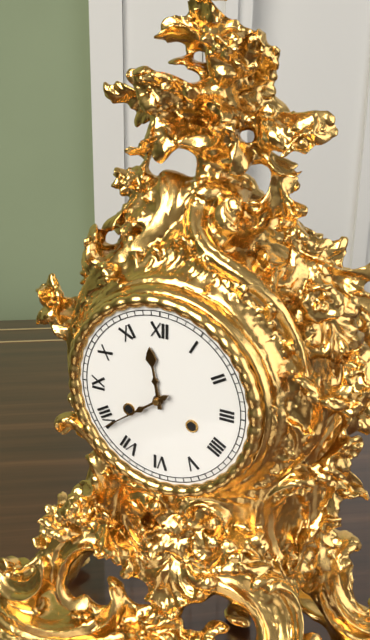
11h39
